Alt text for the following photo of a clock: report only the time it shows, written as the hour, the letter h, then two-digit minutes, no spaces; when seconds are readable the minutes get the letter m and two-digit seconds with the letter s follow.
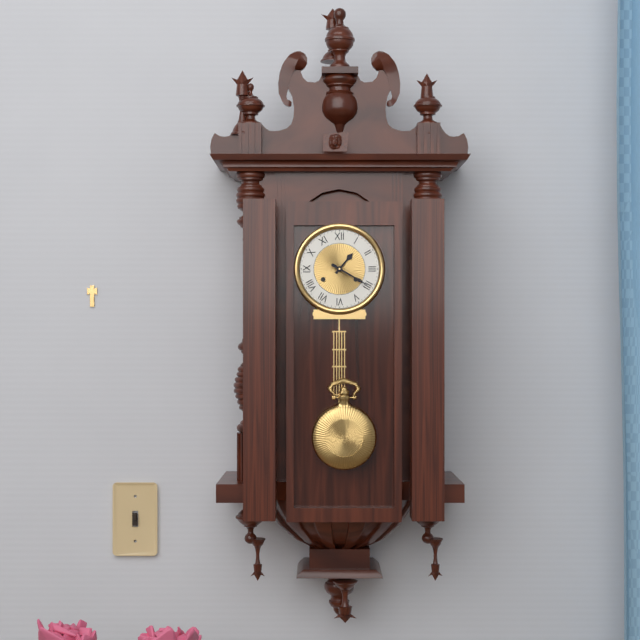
1h20
